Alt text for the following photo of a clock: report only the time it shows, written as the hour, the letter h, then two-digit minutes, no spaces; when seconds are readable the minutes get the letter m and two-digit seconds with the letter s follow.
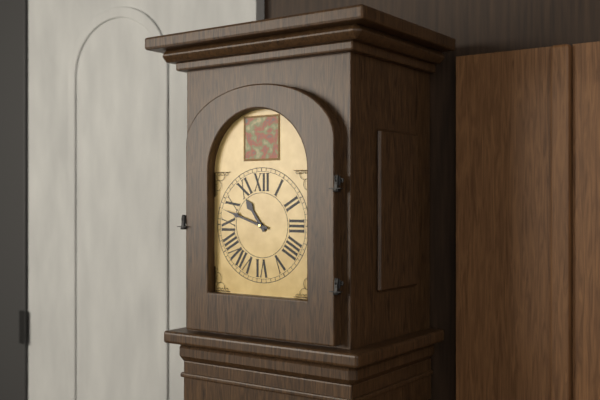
10h48
